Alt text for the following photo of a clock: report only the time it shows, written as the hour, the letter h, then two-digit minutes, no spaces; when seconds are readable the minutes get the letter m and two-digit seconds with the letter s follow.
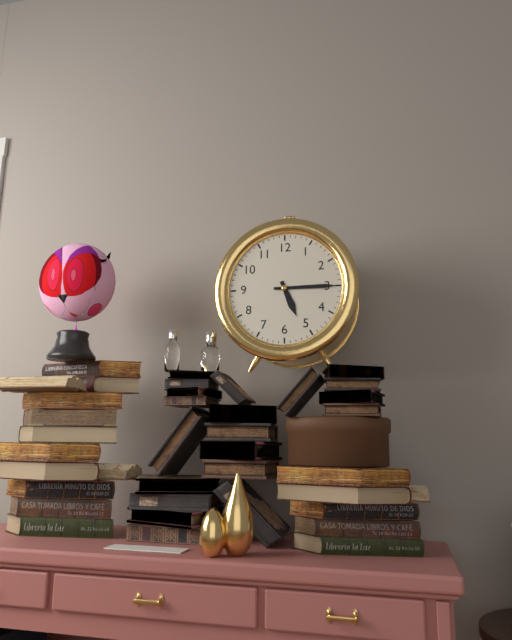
5h15
